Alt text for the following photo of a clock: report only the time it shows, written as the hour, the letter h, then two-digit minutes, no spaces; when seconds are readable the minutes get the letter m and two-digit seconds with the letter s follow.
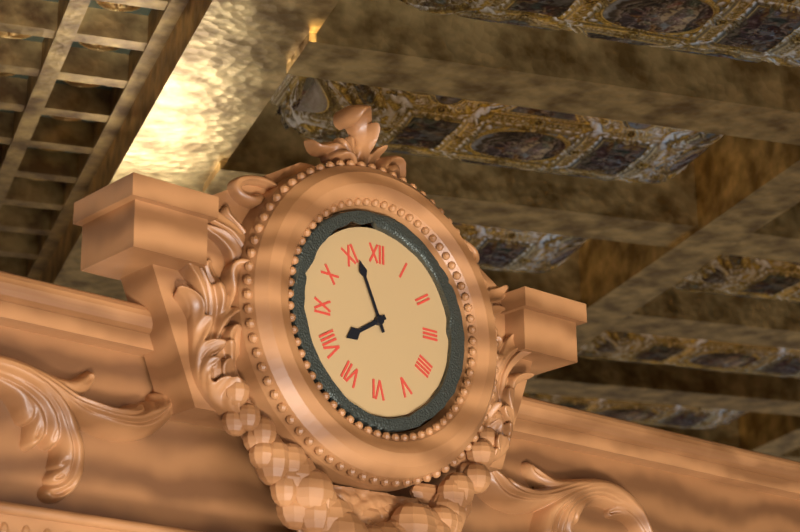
7h56
